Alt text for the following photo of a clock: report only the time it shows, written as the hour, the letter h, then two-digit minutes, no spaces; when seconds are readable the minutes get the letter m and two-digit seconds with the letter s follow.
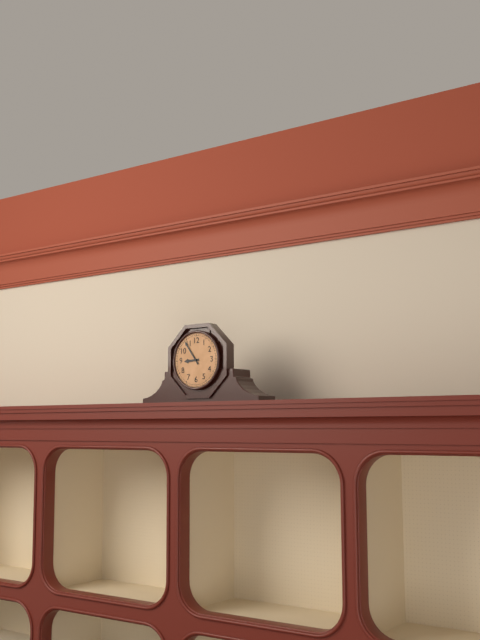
8h54
